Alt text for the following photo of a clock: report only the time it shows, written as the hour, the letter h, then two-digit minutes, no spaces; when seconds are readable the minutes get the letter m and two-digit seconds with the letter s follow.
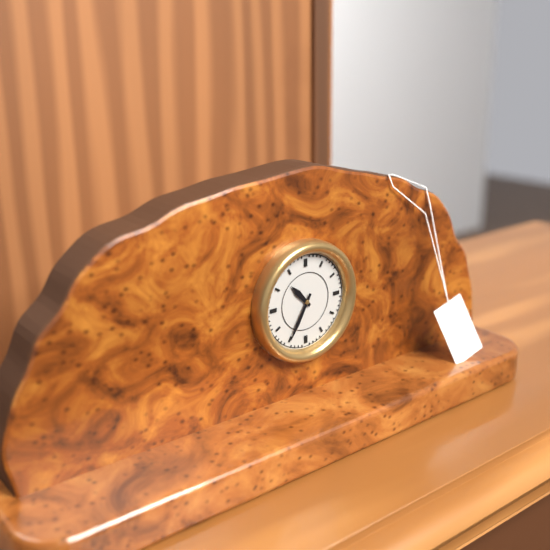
10h35
